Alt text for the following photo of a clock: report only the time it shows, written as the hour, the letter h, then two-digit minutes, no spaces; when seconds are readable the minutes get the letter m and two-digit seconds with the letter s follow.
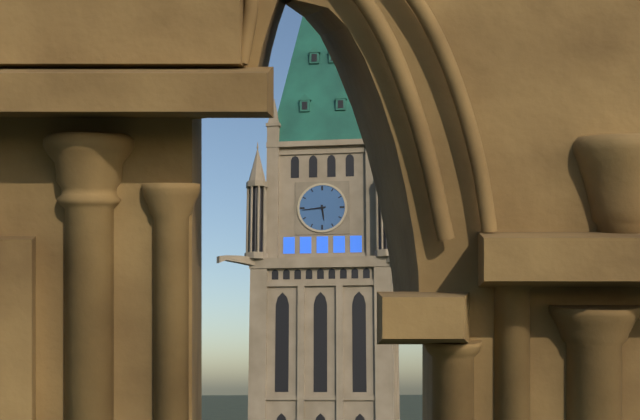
5h44
